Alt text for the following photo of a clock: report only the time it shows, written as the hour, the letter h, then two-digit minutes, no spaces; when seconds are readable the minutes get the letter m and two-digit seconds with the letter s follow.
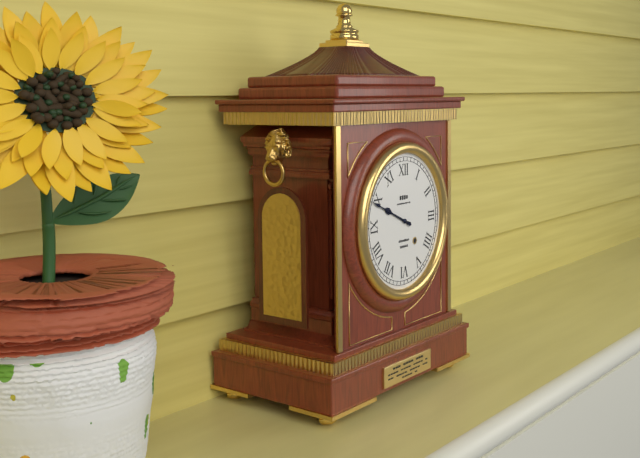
9h49
